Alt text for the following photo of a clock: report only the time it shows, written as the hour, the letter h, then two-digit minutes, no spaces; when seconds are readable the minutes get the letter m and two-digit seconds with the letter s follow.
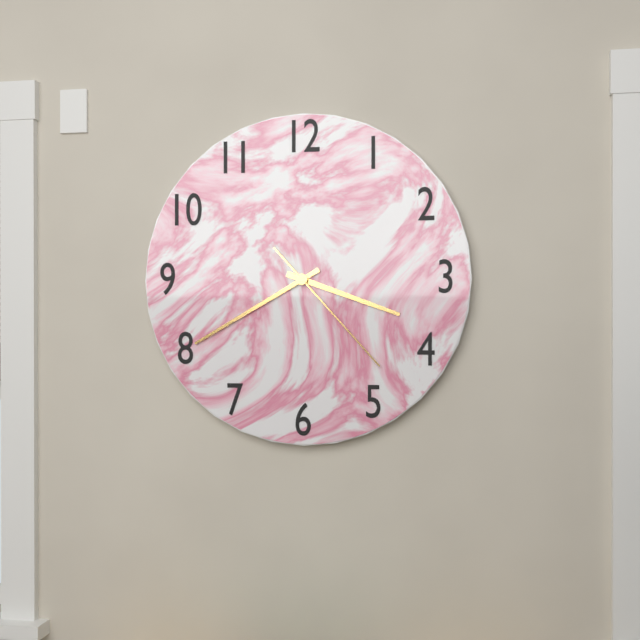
3h40m23s
